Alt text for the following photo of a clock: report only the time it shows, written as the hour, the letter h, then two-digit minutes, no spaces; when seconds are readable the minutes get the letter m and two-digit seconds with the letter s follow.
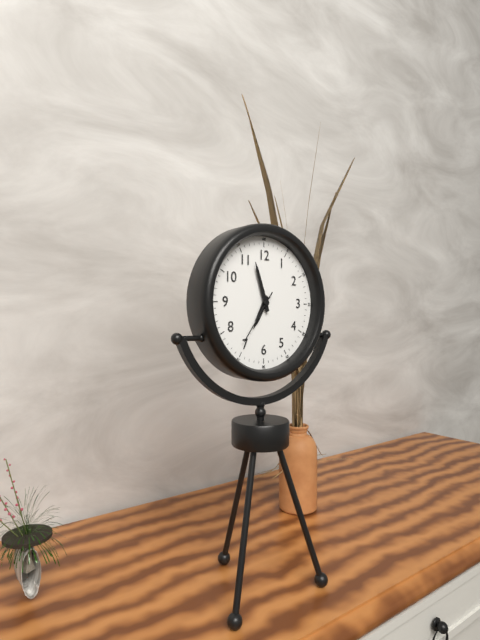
6h57m36s
